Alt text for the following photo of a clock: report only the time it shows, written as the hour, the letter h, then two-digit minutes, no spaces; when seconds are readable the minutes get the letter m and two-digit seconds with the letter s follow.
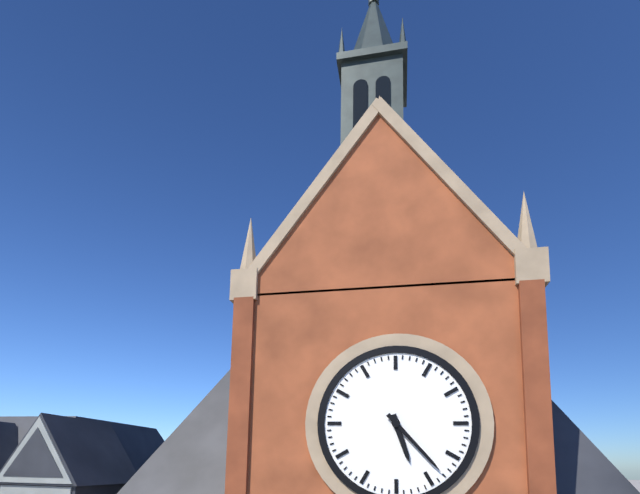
5h23
